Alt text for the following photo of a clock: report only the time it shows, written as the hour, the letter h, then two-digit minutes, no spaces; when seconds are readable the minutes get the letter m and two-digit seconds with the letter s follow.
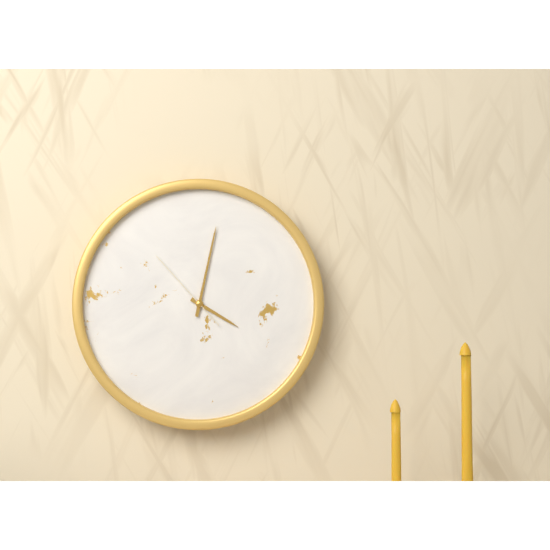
4h02m53s
